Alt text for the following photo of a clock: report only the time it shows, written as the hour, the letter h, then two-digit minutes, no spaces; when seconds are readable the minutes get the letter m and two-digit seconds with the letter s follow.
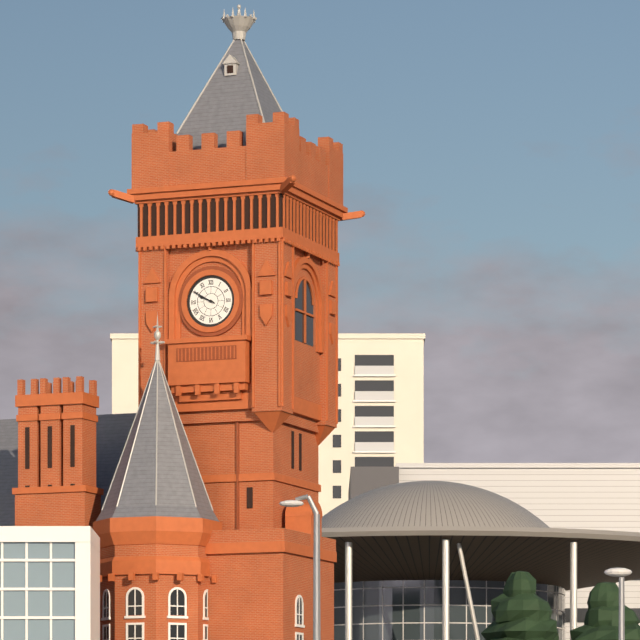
9h50
